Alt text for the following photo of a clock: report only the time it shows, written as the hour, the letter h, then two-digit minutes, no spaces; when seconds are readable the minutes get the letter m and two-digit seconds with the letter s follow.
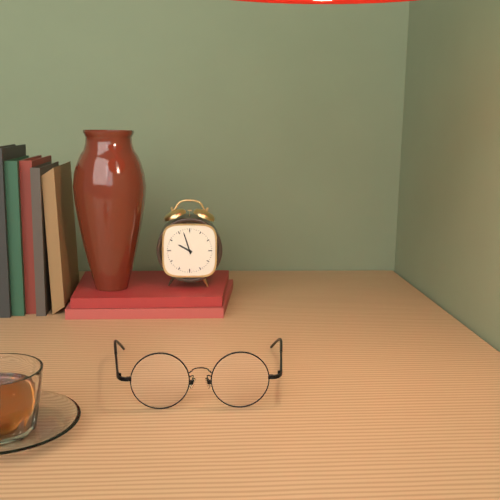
9h57
